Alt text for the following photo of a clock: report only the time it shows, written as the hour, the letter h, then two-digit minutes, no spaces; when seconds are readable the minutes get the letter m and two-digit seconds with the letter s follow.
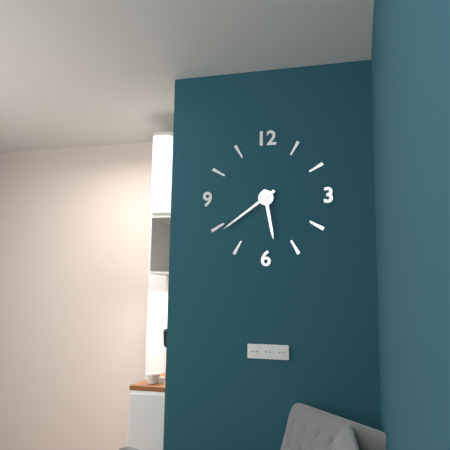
5h39
